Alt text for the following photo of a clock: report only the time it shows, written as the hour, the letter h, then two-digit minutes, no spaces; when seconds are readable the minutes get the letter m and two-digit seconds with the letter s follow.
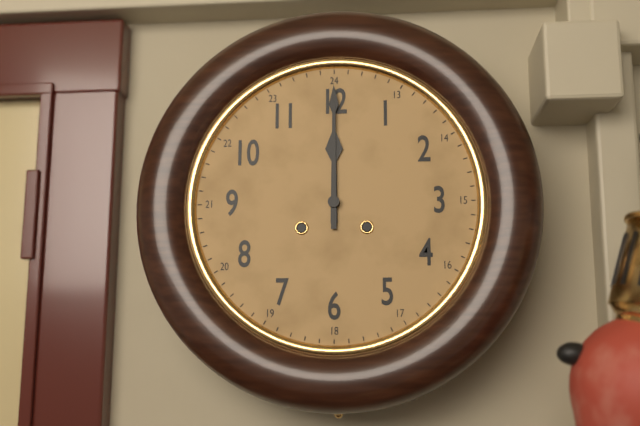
12h00
